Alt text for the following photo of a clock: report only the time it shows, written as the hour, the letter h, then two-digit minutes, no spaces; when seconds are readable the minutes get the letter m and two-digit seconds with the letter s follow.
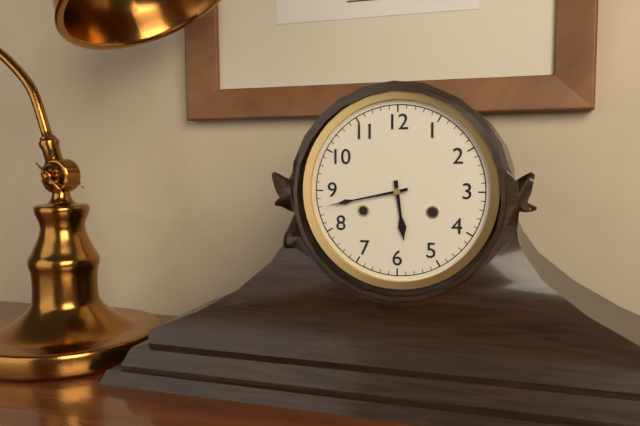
5h43
